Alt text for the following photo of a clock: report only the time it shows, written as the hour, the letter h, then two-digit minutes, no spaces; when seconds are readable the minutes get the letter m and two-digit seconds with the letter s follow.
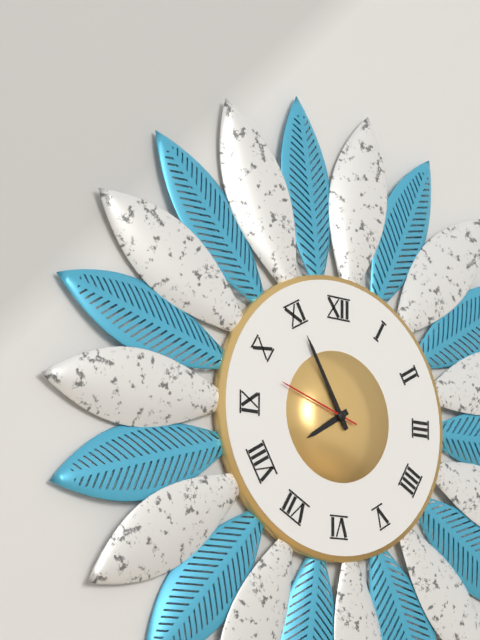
7h55m48s
